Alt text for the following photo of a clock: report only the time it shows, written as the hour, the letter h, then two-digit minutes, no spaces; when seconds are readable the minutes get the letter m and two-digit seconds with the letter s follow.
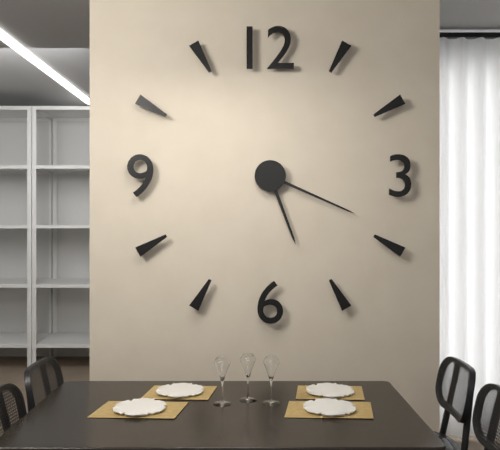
5h19
